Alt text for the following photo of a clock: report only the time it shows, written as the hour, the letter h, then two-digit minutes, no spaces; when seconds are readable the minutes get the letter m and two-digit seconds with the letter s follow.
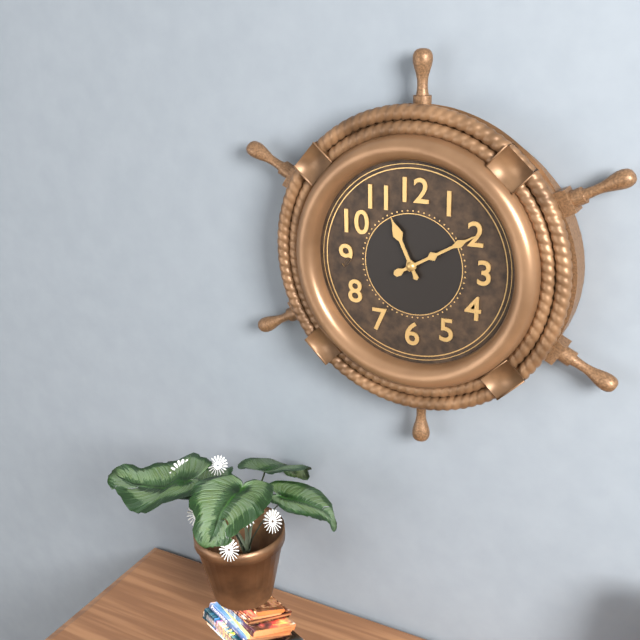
11h10
